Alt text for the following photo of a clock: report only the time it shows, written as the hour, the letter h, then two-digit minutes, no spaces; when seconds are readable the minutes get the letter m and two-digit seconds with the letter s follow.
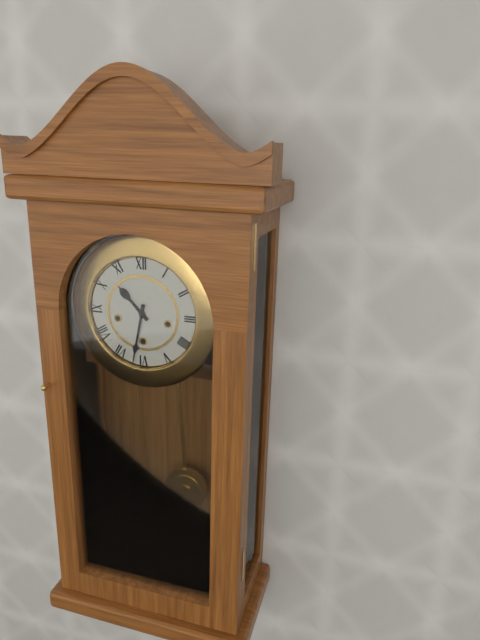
10h32
